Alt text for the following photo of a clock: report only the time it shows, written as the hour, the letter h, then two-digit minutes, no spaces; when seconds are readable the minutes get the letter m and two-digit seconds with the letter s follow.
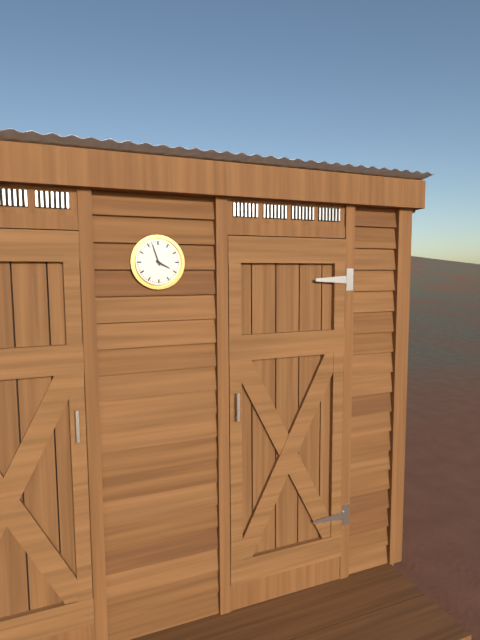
3h57
